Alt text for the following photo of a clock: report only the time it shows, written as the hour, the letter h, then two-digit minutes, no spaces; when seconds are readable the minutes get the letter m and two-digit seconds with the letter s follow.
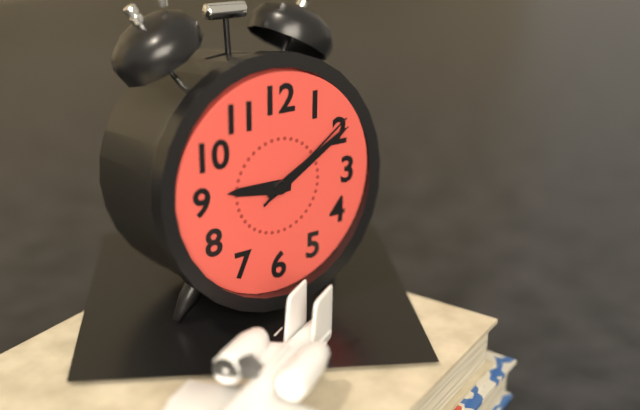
9h10m09s
